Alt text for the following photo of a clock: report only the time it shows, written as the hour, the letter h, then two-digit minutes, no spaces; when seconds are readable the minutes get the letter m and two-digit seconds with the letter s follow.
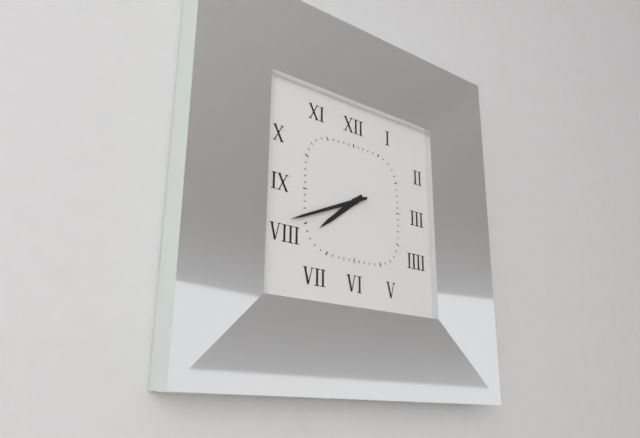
7h41
